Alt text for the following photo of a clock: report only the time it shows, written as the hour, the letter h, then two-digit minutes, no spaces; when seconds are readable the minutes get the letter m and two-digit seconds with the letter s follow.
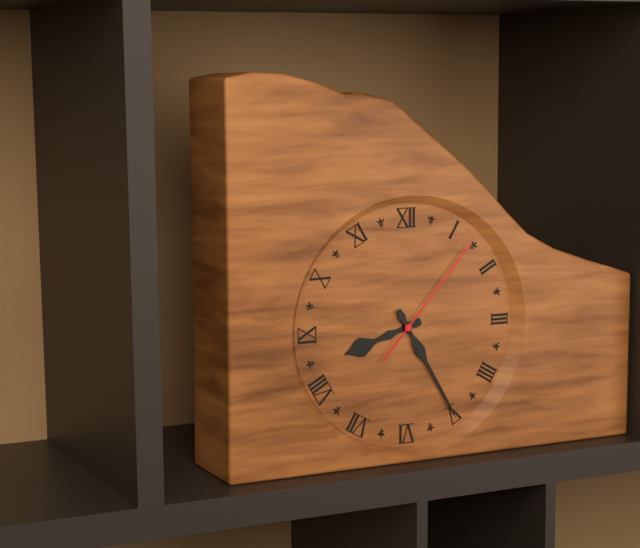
8h25m07s
